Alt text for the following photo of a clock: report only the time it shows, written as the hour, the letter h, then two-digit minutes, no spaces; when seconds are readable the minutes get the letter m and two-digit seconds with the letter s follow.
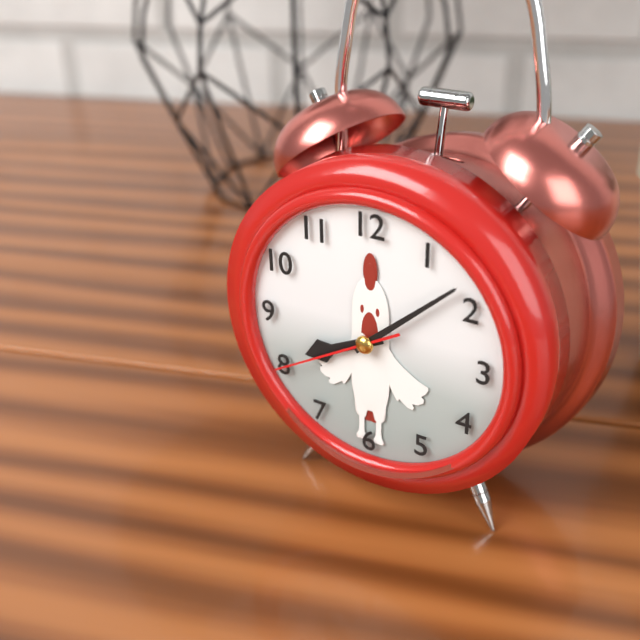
8h08m40s
